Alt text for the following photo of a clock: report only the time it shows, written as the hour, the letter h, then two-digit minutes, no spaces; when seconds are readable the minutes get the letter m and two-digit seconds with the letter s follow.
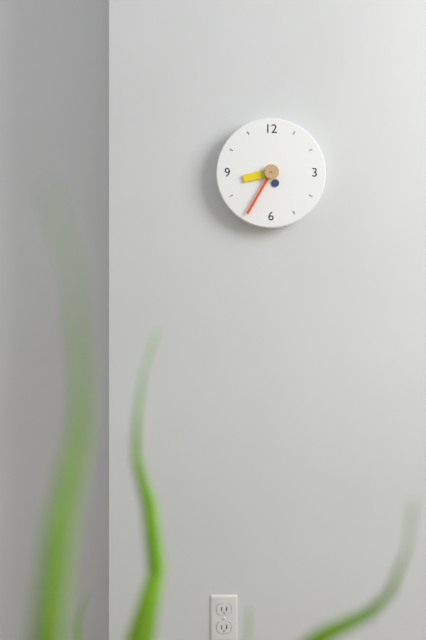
8h35
